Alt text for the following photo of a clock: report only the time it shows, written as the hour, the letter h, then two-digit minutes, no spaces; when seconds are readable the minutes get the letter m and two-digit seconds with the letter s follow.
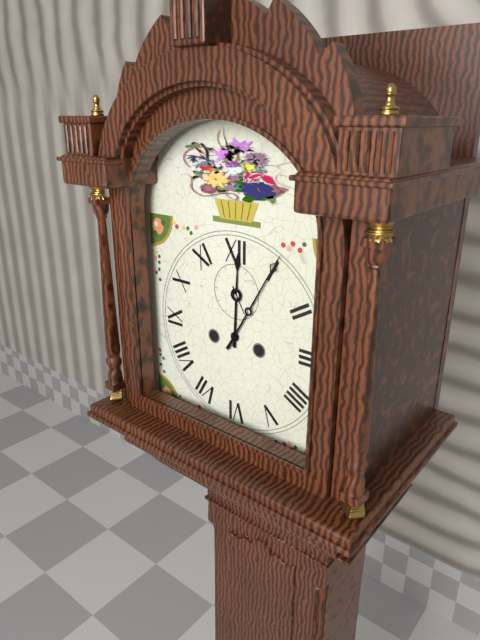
12h05
